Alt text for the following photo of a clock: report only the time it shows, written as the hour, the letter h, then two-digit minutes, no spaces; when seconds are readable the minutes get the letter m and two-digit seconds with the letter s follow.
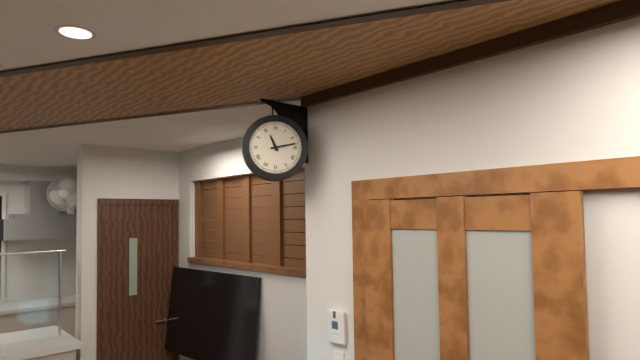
11h13
